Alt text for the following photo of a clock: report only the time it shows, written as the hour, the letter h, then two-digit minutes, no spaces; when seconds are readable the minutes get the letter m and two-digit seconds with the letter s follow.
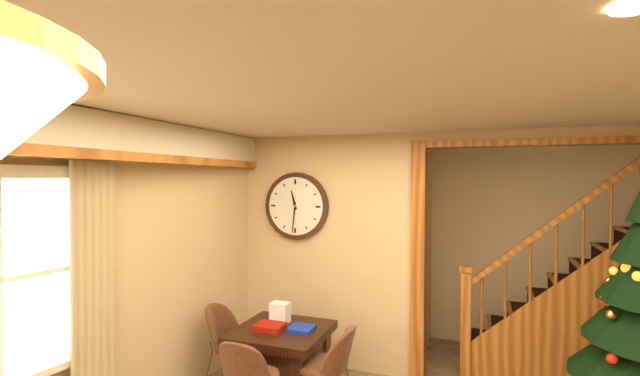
11h31
